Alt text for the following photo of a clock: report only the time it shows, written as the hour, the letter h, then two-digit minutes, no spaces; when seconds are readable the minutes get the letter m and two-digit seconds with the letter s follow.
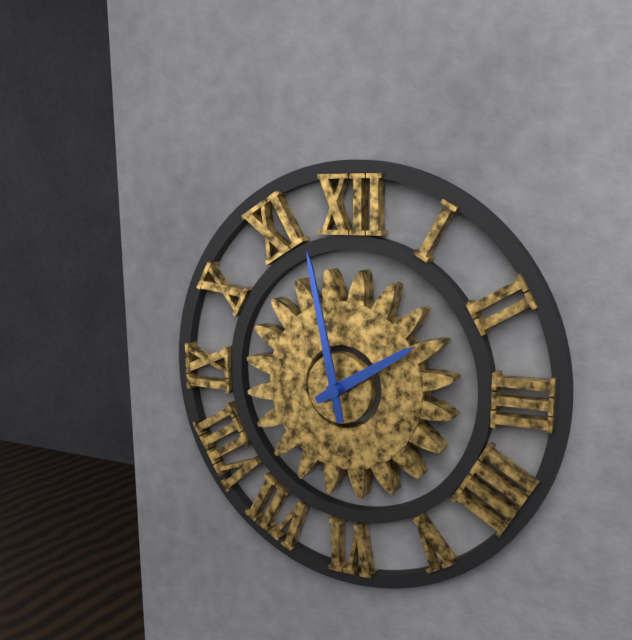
1h58
